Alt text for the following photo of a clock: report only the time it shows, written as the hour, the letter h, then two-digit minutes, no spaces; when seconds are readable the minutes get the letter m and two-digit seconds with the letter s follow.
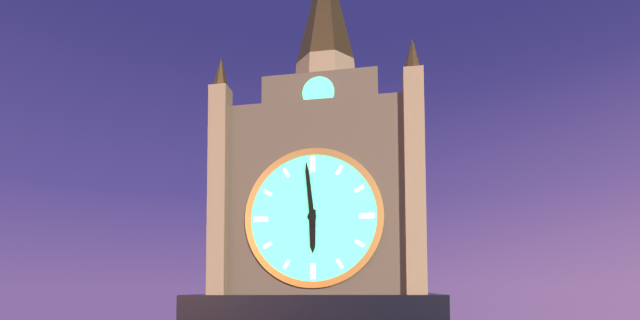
5h59
